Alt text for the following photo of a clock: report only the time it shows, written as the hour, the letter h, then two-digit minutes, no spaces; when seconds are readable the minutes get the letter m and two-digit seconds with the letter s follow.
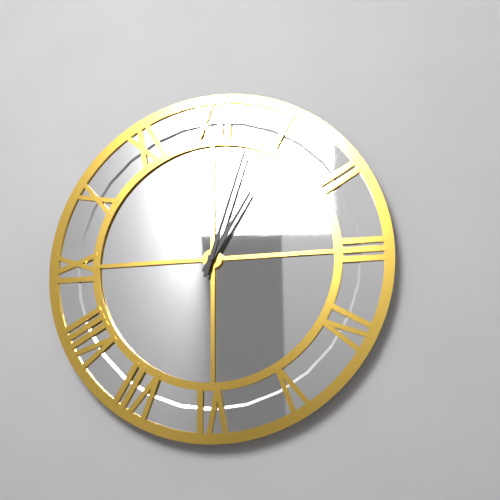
1h03
